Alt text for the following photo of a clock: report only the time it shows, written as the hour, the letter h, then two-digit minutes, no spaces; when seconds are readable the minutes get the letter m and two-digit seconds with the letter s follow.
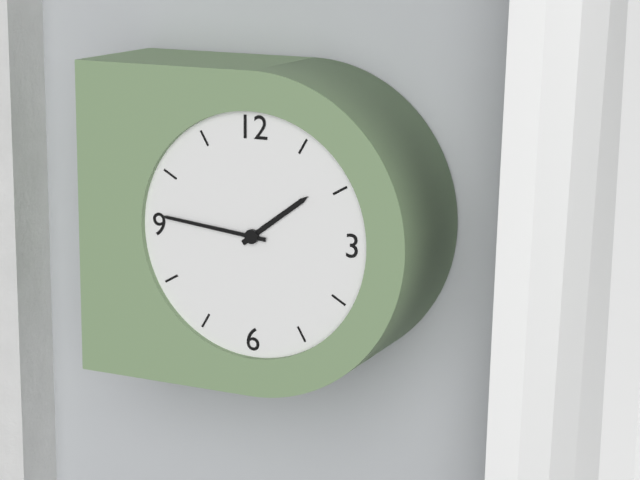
1h46
